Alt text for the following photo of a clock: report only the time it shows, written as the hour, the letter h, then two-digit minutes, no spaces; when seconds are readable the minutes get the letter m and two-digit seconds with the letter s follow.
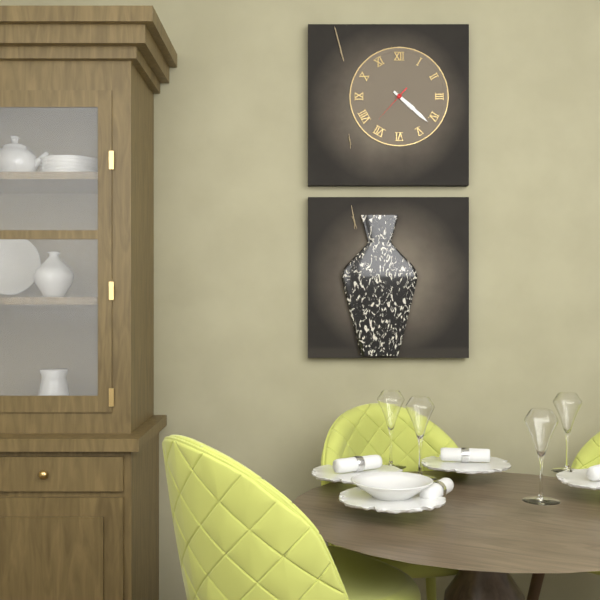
4h22
